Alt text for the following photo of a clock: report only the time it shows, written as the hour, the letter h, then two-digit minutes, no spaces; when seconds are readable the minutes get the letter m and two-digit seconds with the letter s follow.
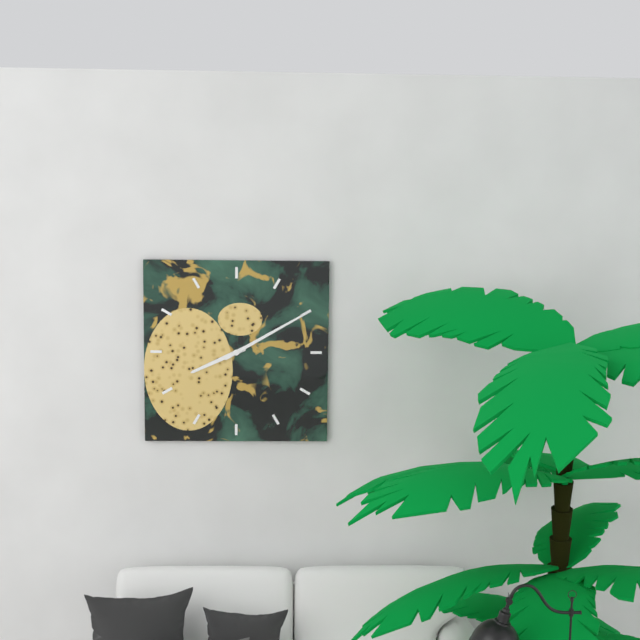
8h10
